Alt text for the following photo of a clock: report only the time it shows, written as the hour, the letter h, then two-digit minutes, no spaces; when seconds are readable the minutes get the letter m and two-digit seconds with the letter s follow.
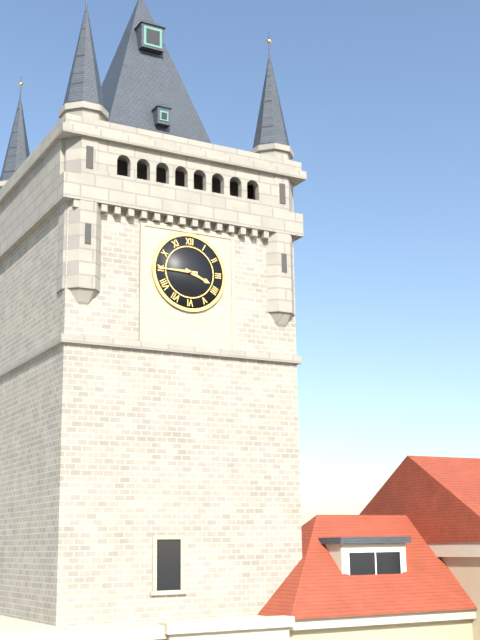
3h45
